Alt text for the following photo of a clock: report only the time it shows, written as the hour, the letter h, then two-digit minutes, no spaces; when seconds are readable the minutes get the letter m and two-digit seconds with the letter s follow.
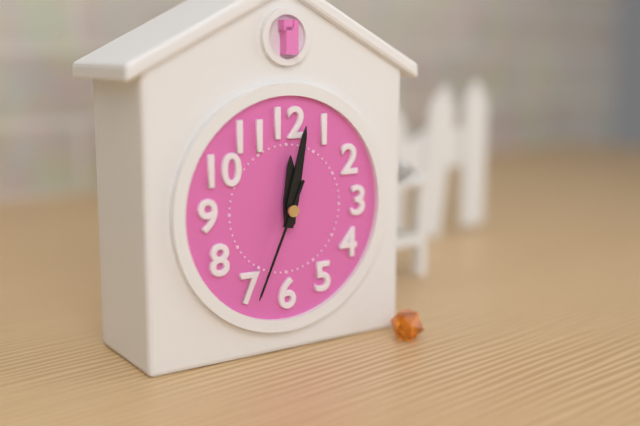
12h02m34s
